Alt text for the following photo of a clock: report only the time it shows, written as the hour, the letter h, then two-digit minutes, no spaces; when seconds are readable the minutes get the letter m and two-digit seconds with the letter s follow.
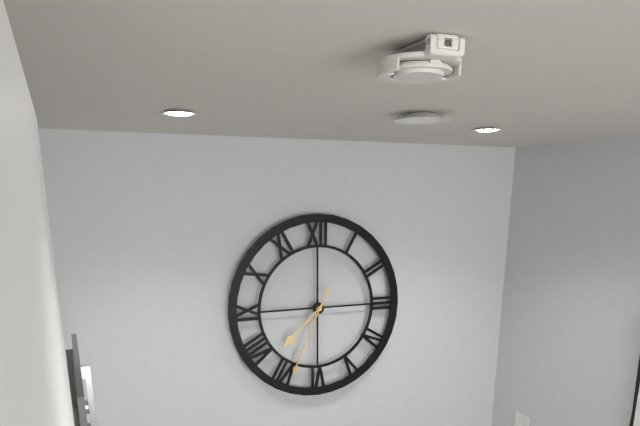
7h34
